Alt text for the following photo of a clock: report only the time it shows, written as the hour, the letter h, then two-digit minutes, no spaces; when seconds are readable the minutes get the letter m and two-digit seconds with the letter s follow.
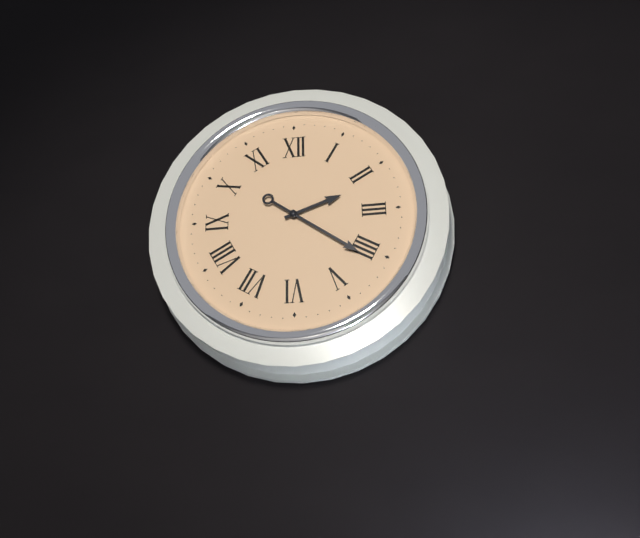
2h21
